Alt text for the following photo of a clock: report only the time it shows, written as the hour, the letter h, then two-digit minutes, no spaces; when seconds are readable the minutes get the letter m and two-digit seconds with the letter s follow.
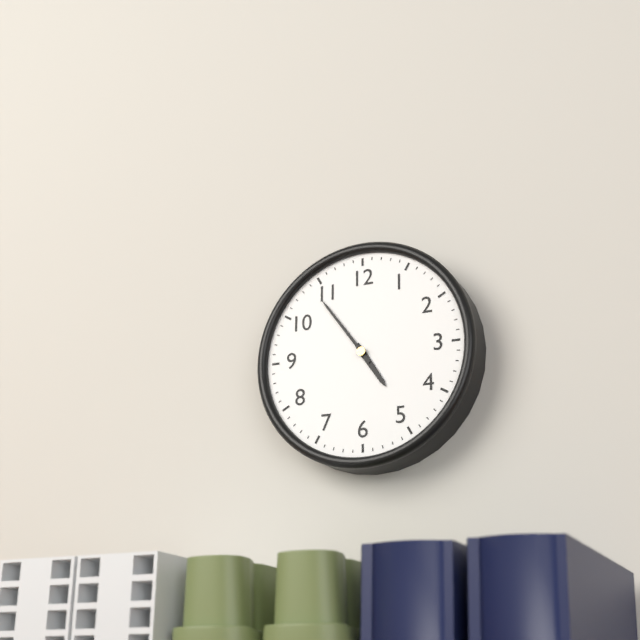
4h54
